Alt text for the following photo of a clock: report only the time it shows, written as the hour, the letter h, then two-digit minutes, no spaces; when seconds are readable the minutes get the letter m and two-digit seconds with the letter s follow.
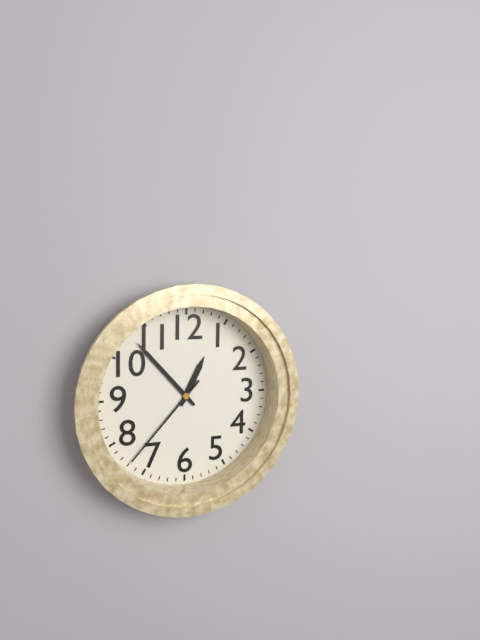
12h53m37s
